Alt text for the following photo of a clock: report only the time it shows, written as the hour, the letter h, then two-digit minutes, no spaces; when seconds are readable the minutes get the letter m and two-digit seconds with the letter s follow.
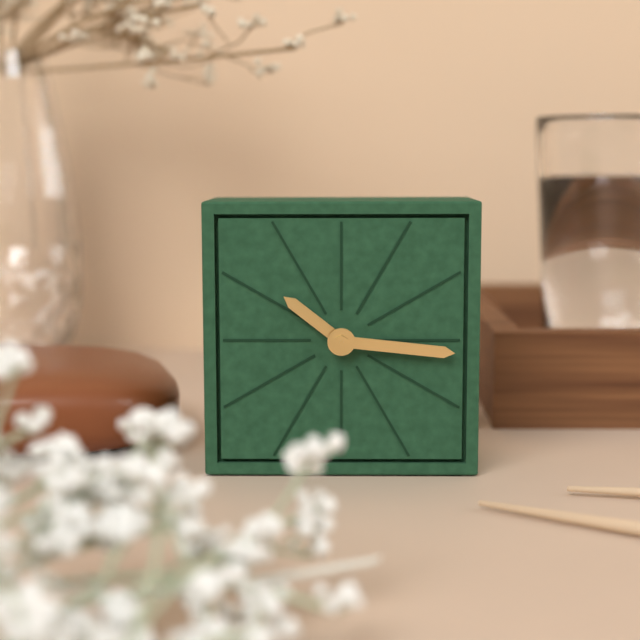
10h16
